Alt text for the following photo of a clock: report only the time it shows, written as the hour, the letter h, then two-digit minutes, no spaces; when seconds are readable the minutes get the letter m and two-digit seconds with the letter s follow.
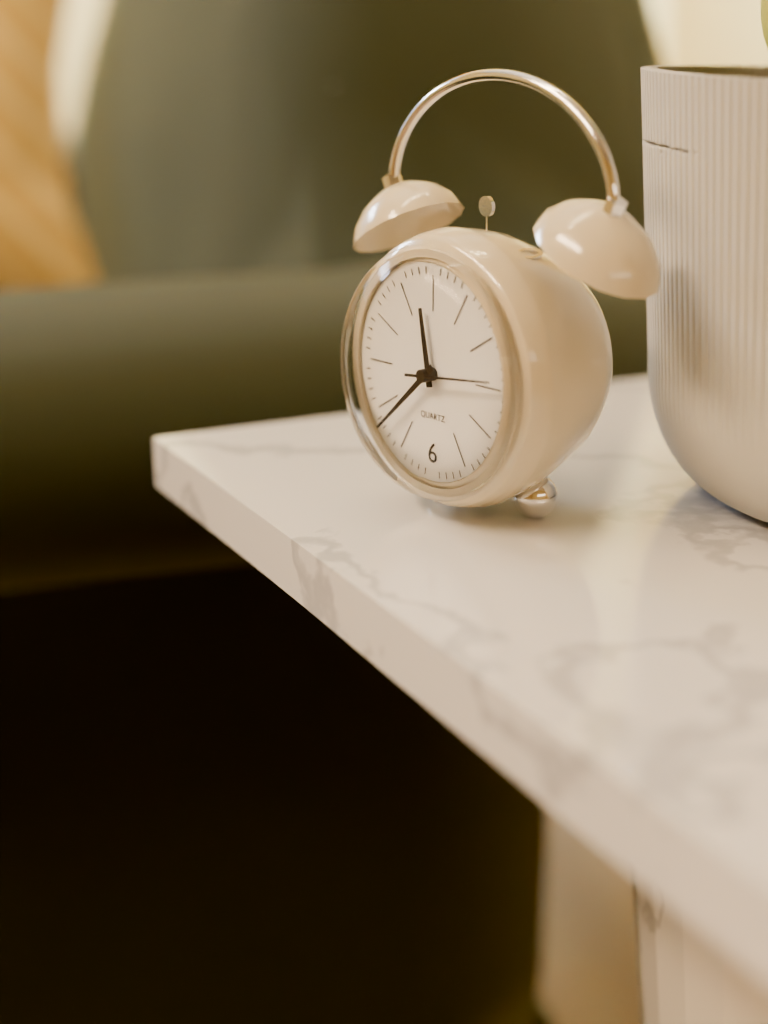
11h38m14s
